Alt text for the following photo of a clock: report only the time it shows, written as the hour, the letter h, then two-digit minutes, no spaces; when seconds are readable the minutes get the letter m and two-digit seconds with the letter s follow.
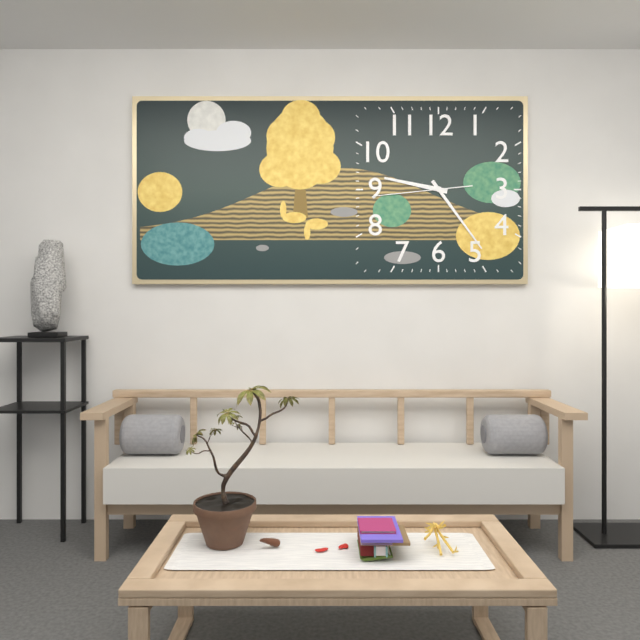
9h24m44s
